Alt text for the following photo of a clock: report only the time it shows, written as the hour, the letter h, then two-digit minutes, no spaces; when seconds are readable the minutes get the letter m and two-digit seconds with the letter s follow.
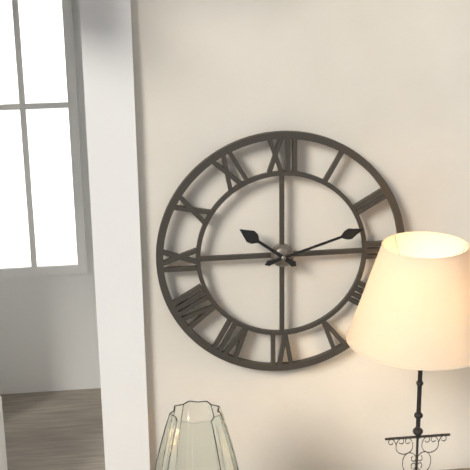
10h12
